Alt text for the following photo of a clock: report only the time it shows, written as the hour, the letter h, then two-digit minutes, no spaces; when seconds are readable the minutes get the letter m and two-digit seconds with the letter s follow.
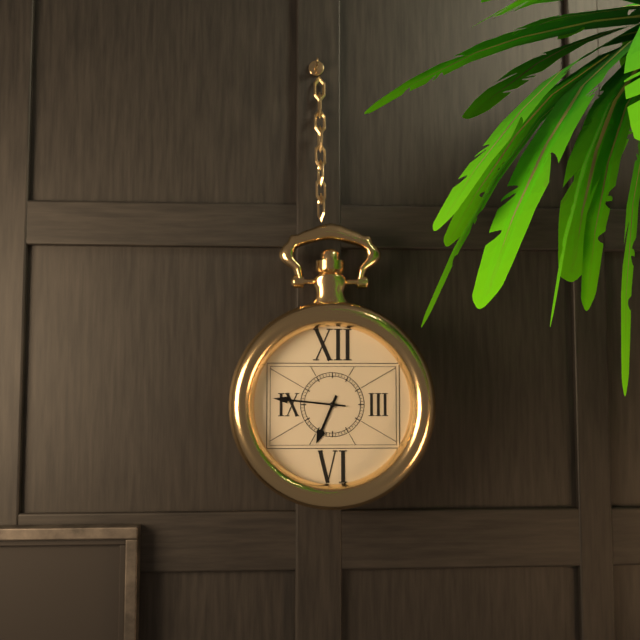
6h46
